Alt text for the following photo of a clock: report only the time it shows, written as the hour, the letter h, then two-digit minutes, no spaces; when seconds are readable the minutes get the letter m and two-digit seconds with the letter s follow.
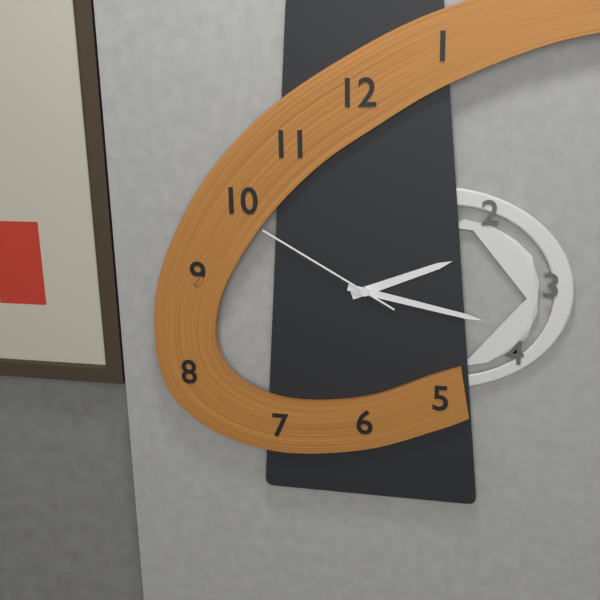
2h17m50s
